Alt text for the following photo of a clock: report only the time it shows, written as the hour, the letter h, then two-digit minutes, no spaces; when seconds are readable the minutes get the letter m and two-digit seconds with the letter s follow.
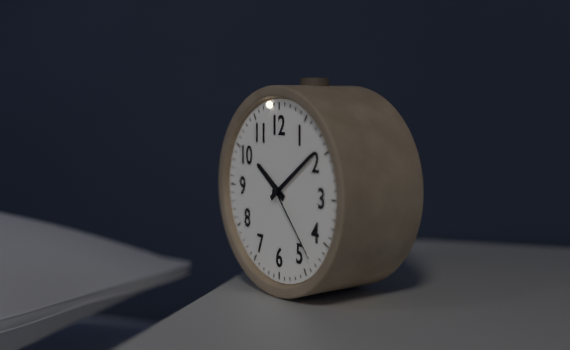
10h09m23s
